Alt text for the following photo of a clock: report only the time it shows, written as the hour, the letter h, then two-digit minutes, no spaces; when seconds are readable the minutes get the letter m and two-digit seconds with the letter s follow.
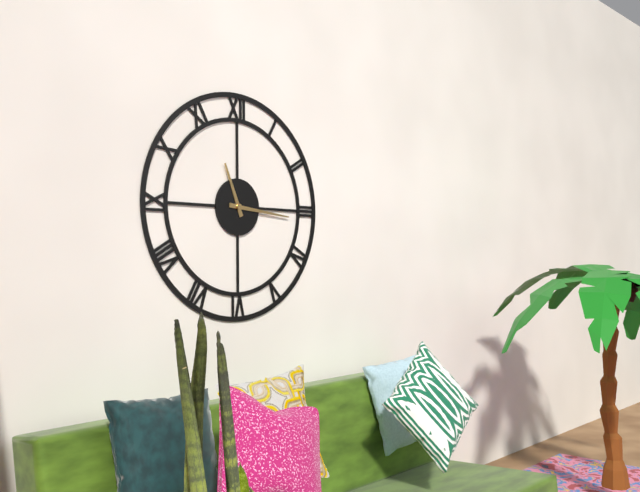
11h16
